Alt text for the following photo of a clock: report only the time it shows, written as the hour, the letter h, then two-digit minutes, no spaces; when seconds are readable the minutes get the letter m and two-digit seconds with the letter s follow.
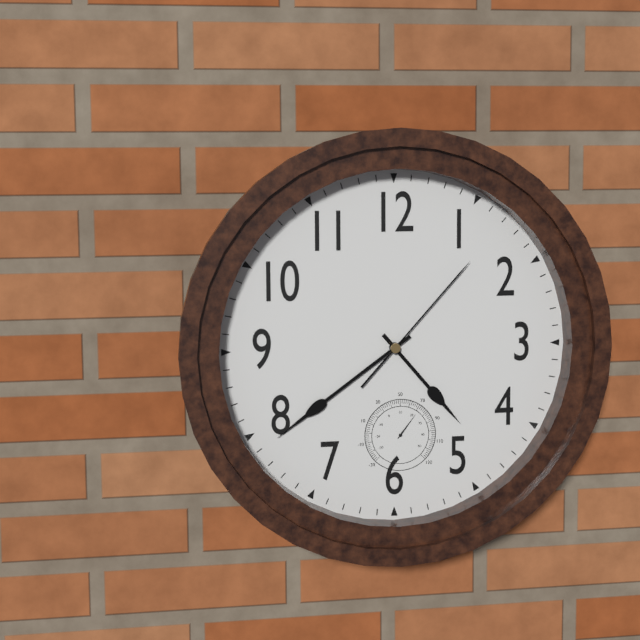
4h39m07s
